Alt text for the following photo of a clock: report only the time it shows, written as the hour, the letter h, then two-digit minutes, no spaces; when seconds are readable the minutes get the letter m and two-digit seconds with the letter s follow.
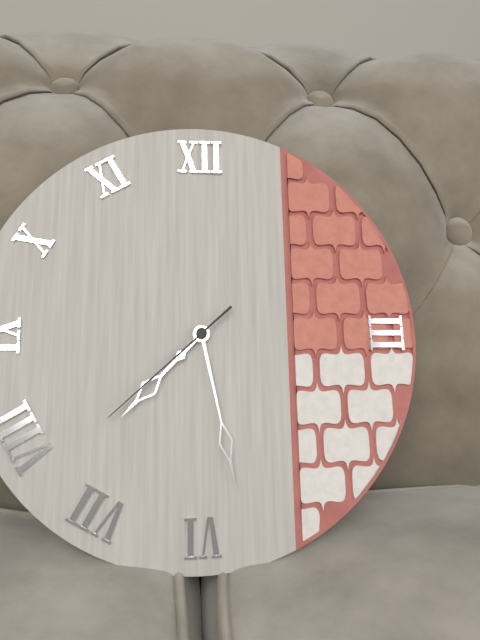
7h28m38s
